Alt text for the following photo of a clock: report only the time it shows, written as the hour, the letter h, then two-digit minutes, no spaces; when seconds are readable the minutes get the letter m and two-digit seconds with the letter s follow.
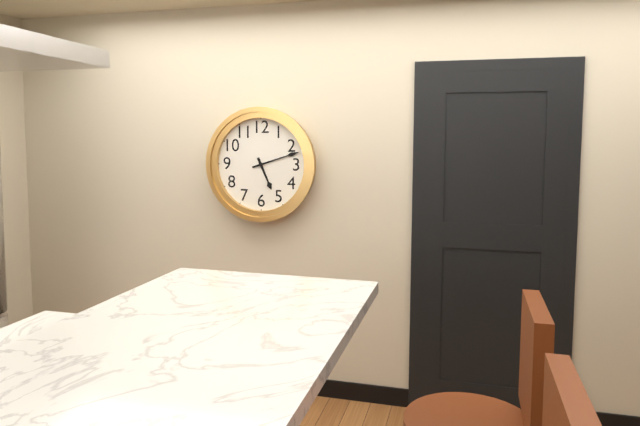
5h12
